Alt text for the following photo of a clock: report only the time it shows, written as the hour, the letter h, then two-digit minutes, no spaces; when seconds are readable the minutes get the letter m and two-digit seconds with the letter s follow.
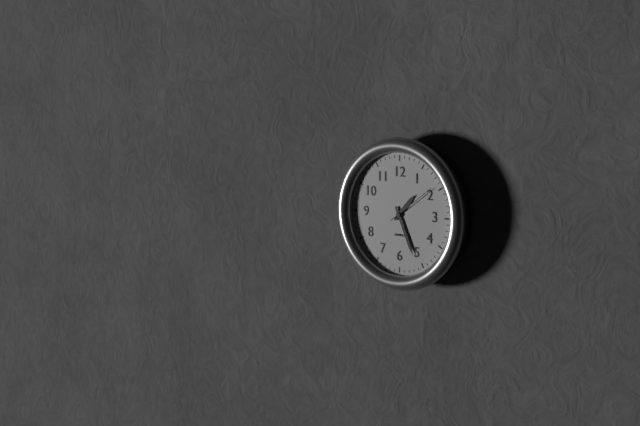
1h26m09s
